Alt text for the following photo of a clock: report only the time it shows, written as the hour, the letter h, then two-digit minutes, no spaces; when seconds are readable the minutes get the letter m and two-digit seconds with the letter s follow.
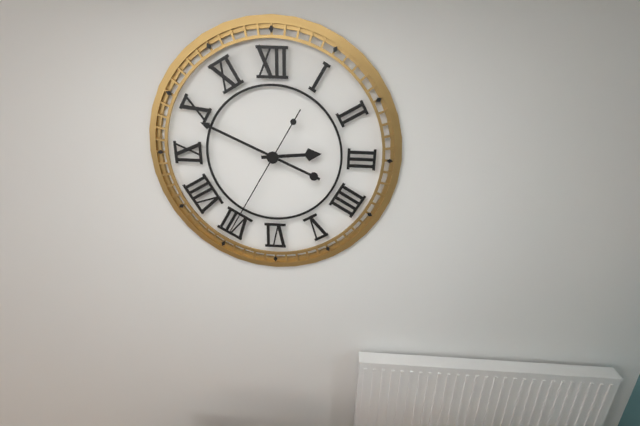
2h49m35s
